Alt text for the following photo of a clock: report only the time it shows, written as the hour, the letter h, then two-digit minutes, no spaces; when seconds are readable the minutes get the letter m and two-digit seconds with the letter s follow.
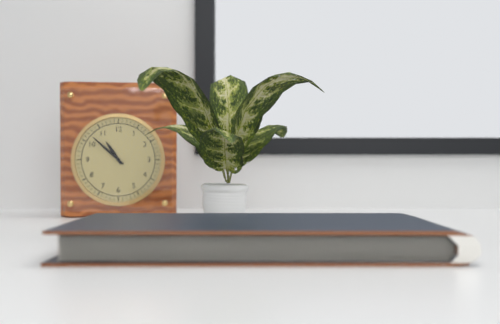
10h52
